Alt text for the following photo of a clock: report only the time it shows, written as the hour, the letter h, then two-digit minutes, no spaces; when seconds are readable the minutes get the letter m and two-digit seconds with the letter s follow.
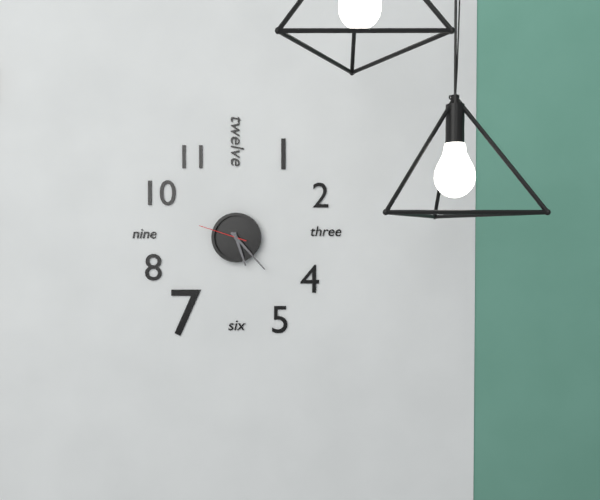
5h23
